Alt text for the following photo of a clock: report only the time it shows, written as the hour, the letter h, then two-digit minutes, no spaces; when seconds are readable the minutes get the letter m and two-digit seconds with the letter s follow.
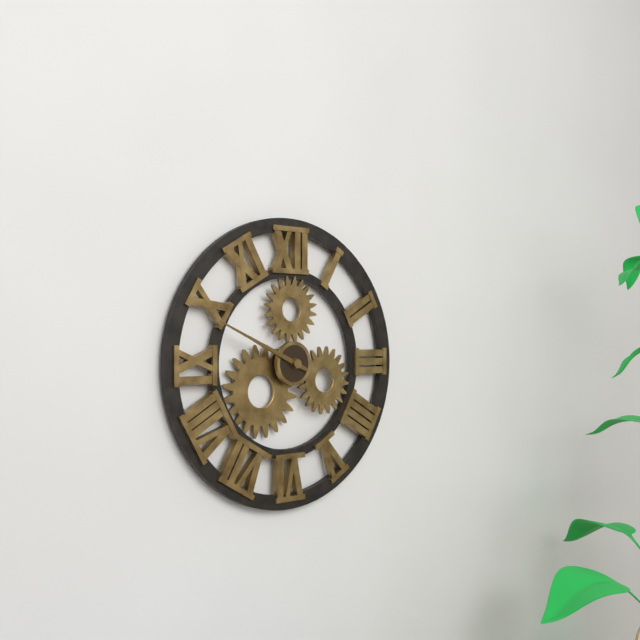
9h49
